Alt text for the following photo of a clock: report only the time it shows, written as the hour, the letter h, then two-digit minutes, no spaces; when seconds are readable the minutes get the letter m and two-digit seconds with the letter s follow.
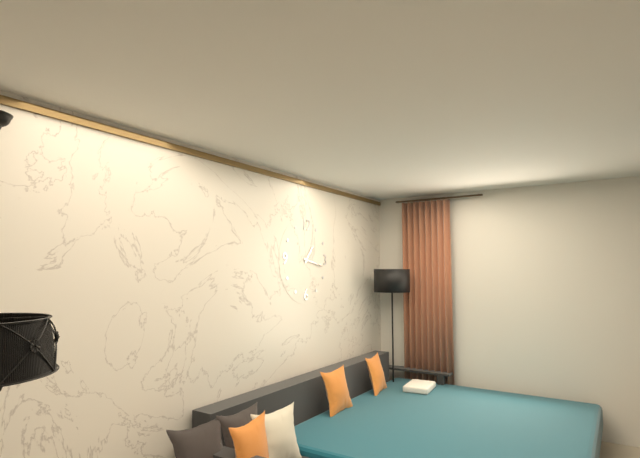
1h17
